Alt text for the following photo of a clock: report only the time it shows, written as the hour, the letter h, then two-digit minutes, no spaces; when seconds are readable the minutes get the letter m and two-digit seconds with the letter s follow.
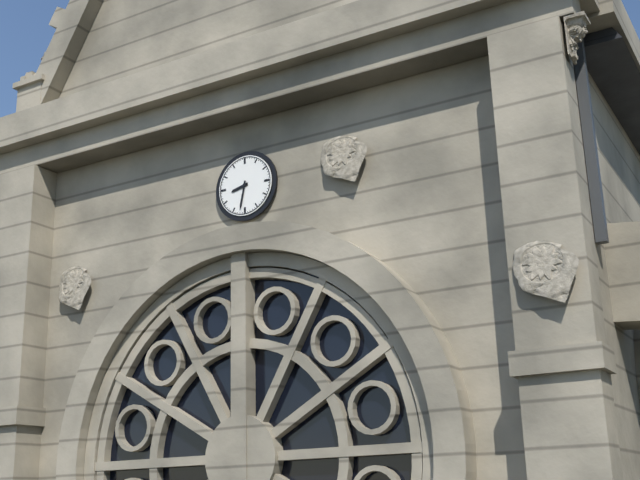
8h32
